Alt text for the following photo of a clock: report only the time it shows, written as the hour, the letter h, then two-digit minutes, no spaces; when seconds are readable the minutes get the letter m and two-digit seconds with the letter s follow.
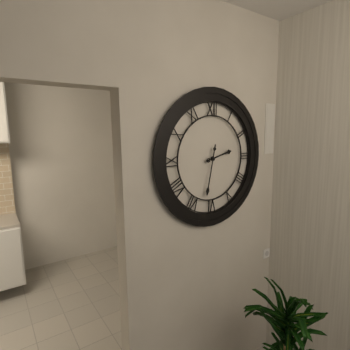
2h32
